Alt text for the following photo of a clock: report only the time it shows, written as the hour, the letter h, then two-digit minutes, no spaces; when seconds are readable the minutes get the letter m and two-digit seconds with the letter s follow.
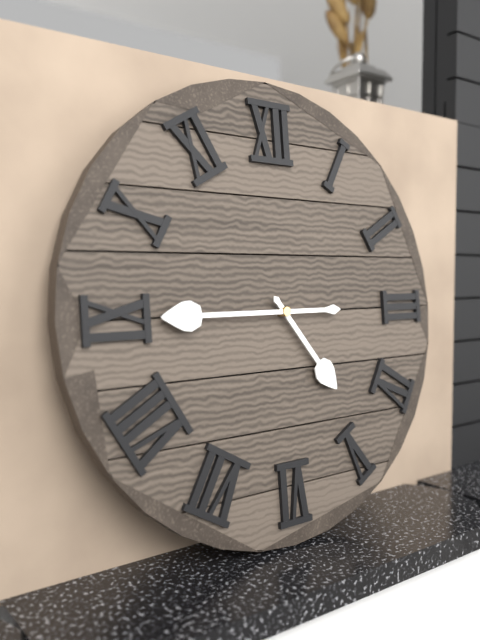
4h45
